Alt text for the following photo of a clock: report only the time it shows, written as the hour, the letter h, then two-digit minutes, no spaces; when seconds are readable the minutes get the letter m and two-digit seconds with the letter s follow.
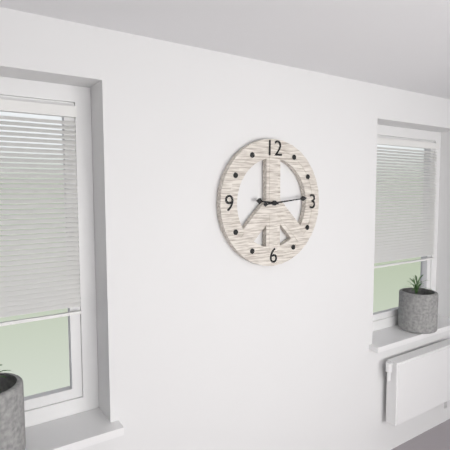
9h14
